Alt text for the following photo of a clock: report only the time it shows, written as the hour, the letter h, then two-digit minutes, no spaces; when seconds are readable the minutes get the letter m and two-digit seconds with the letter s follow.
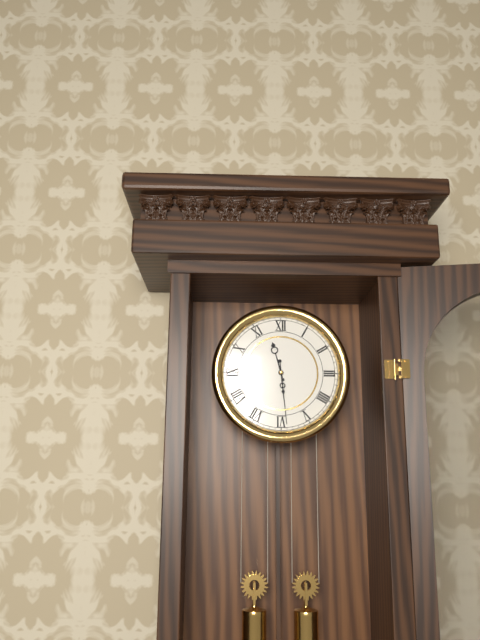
11h29
